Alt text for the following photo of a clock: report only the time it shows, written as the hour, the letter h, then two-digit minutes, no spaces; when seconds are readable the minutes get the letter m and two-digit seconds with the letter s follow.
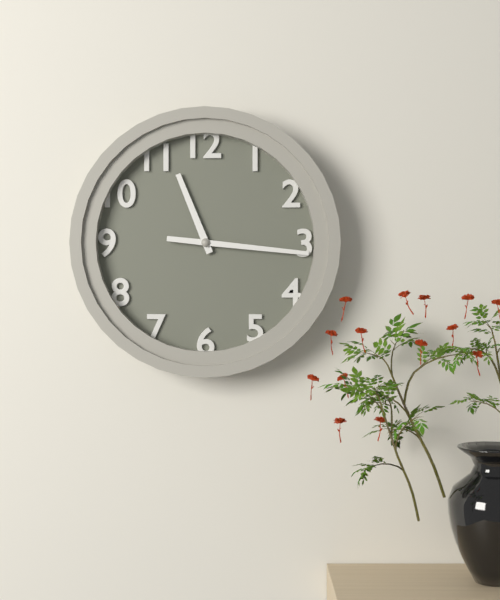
11h16
